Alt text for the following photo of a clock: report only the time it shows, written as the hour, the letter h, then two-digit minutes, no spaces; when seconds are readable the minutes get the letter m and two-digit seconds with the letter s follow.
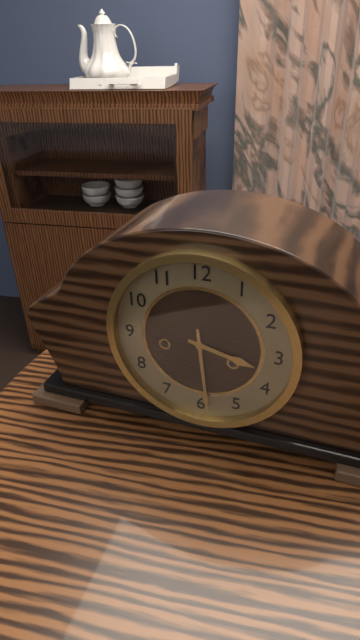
3h29
